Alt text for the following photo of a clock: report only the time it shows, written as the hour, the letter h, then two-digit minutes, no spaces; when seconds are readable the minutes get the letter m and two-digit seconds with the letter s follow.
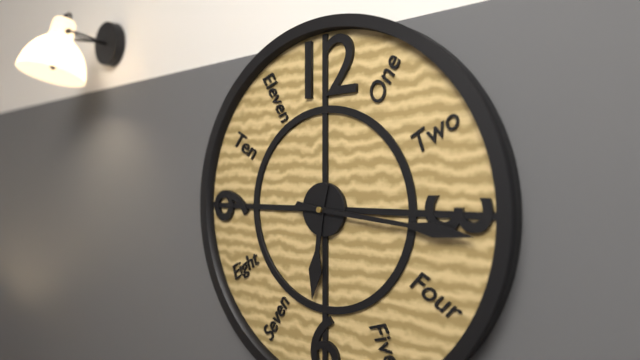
6h16
